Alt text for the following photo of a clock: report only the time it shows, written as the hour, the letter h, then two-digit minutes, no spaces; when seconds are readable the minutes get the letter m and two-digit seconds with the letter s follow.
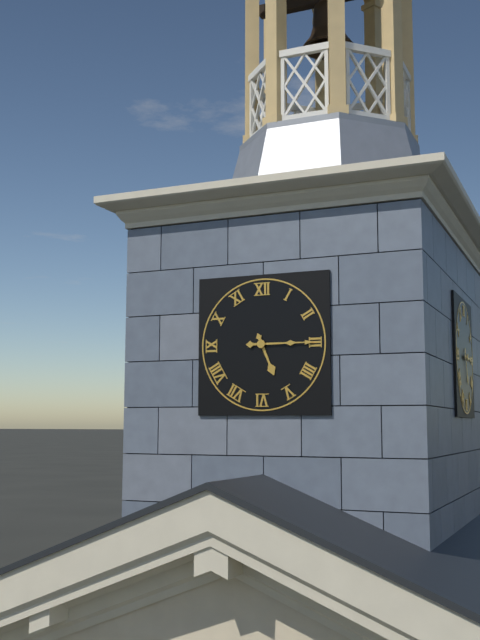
5h15
